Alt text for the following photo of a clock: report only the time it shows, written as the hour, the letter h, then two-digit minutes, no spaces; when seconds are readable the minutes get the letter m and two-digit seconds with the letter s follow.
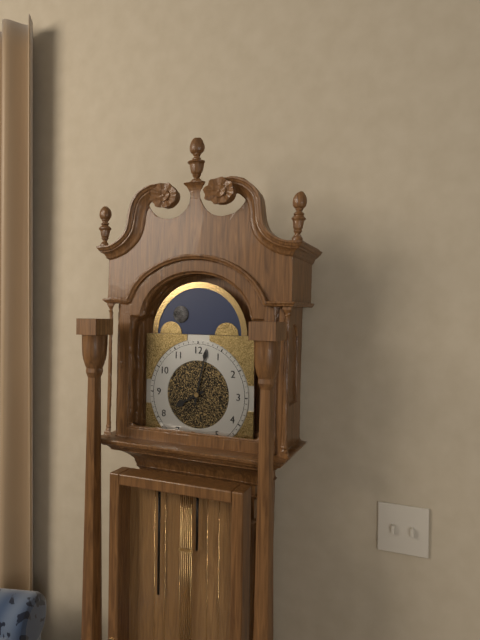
8h02
